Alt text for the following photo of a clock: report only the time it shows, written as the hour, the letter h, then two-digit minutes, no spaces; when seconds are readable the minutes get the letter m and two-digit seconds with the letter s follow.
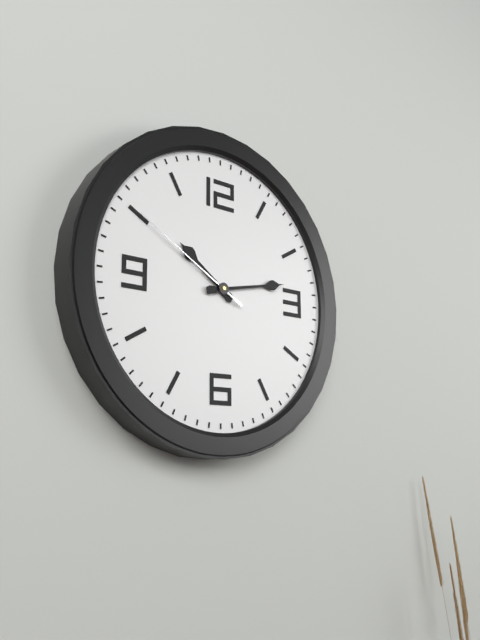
10h13m50s
